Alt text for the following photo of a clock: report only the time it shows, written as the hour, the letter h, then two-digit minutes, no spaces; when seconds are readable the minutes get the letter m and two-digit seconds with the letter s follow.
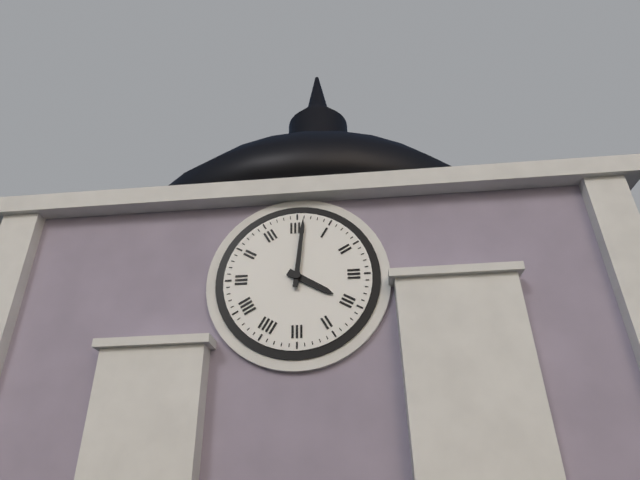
4h01
